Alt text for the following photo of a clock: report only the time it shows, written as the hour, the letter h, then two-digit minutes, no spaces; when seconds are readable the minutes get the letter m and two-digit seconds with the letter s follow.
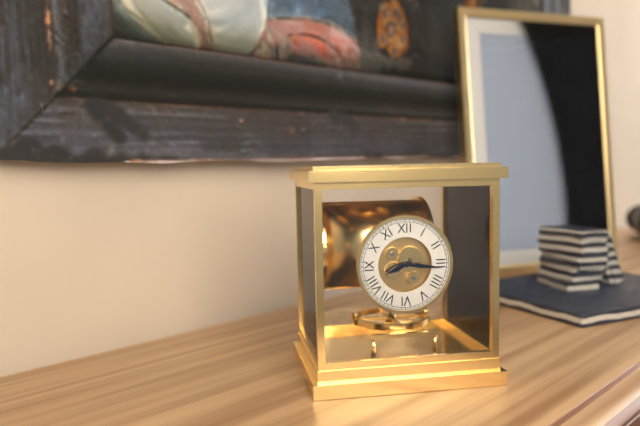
8h16
